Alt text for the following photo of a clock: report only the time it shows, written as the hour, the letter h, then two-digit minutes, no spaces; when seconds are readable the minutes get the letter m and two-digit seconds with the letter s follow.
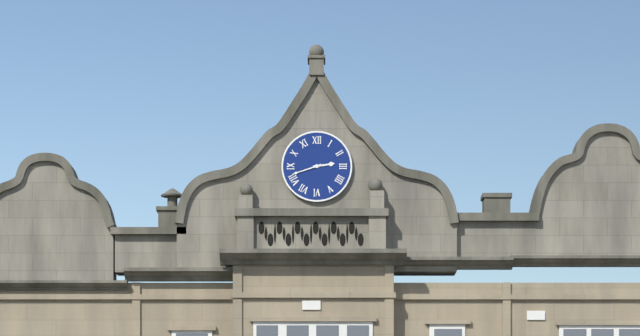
2h42
